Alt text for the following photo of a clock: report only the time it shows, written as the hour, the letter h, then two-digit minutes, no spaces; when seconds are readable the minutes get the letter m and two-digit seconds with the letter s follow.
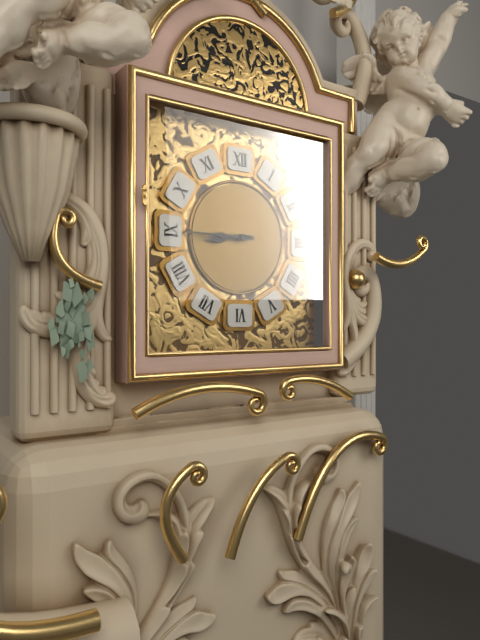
8h45
